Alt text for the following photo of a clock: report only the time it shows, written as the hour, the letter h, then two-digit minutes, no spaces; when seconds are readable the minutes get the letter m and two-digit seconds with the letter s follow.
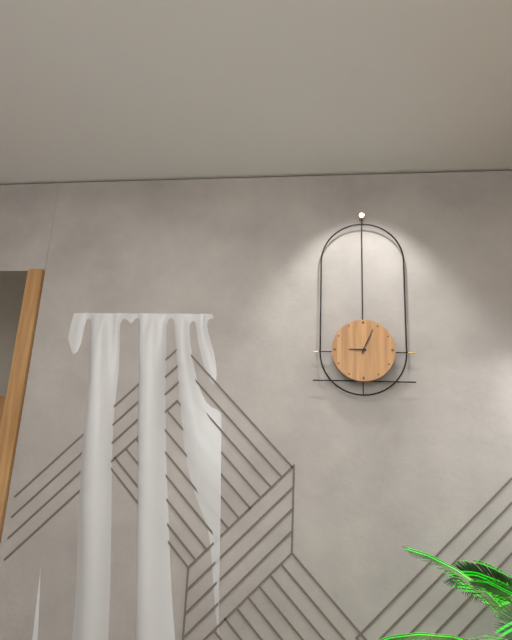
9h04
